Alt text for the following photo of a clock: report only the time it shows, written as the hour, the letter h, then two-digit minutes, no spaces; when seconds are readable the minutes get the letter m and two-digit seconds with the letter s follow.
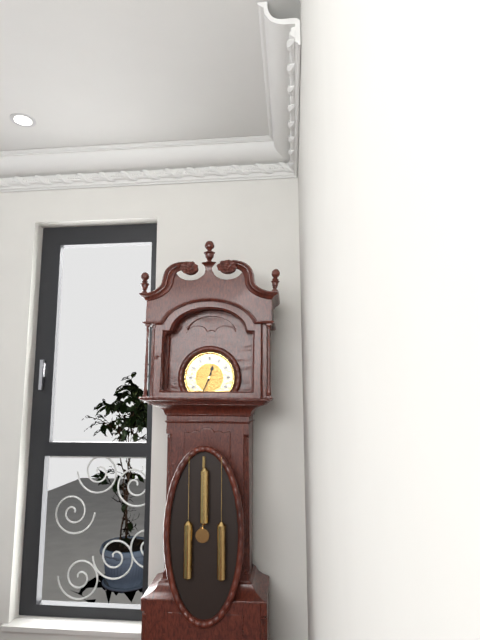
12h34
